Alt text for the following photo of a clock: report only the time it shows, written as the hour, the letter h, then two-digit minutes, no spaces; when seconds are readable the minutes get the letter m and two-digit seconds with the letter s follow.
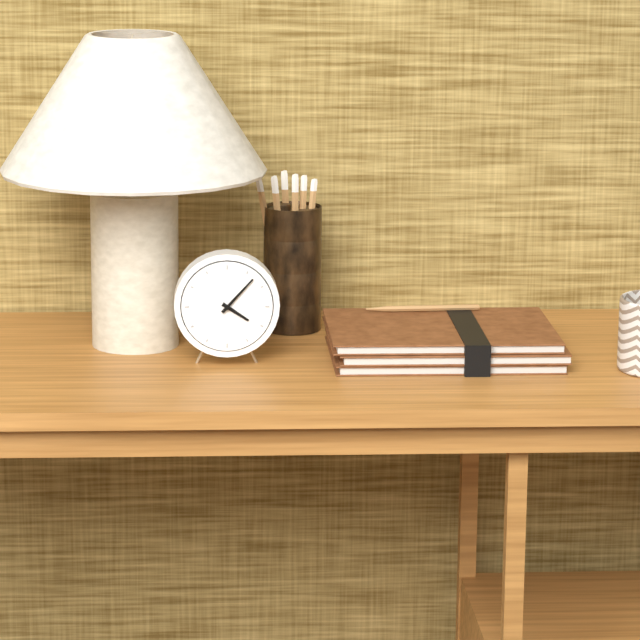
4h07
